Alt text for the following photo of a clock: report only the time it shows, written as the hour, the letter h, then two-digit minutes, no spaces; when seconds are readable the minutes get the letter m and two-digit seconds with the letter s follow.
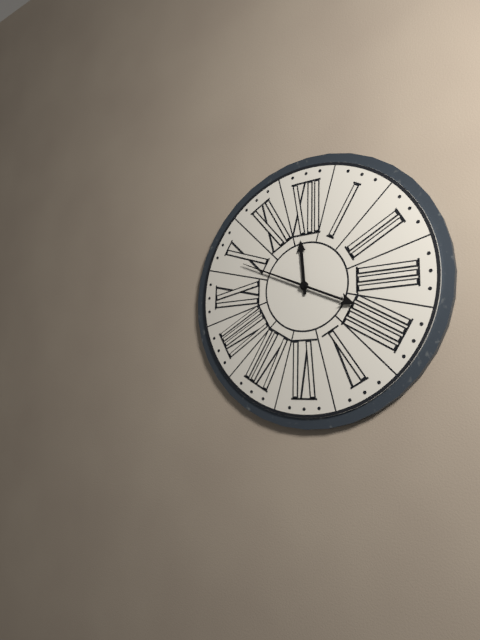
11h49
